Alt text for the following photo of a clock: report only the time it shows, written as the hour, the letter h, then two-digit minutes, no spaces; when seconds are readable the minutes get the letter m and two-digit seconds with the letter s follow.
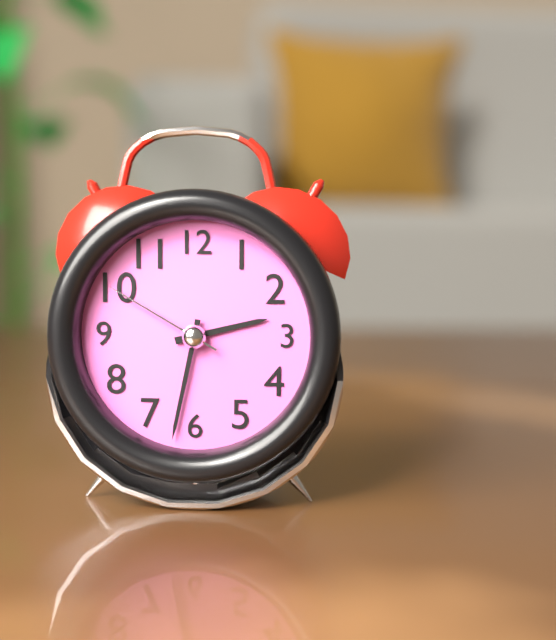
2h32m50s
